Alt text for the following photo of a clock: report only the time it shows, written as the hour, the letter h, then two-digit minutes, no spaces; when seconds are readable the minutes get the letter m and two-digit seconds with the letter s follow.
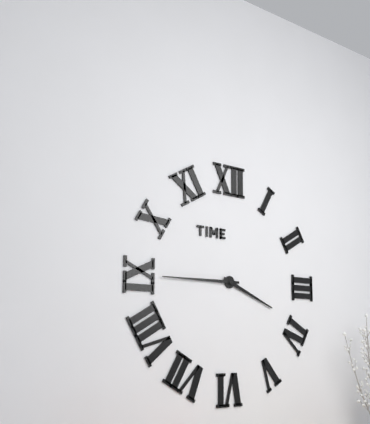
3h45
